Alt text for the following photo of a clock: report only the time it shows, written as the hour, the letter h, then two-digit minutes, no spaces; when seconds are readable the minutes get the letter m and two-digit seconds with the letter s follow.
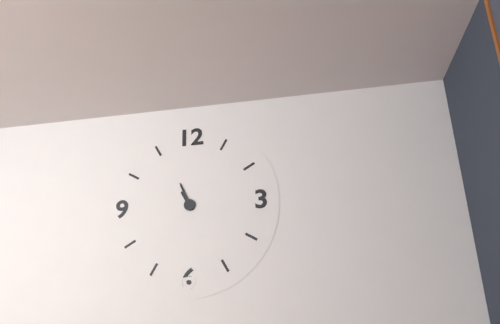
10h56
